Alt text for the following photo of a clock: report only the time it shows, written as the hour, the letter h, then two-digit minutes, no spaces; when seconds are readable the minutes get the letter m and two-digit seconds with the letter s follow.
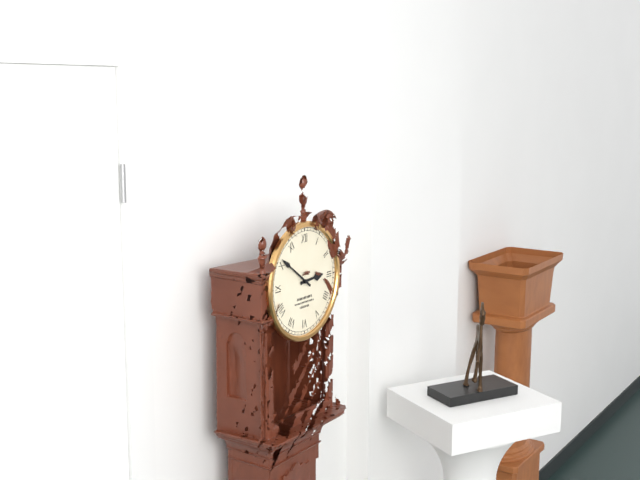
2h51
